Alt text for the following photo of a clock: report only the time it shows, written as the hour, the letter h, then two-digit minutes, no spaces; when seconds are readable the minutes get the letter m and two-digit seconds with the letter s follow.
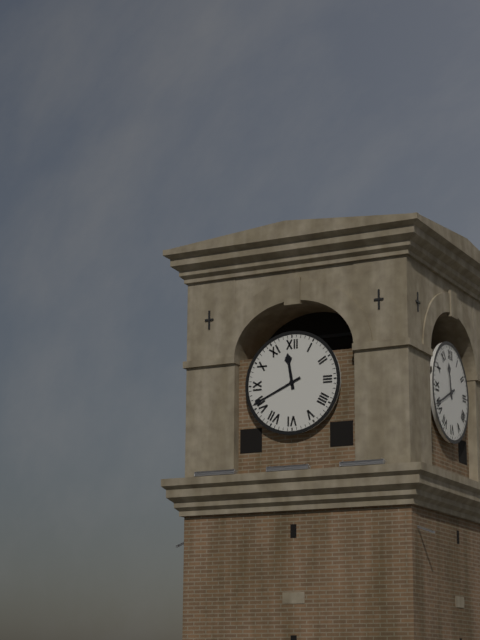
11h41
